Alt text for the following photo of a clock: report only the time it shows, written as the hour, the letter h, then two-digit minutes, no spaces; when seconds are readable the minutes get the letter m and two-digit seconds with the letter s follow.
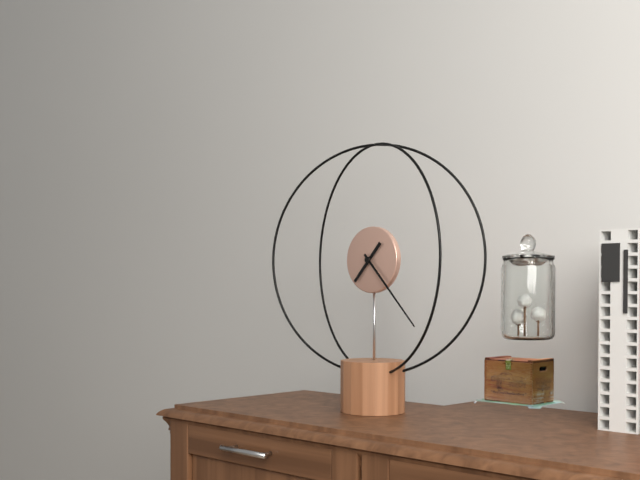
7h23
